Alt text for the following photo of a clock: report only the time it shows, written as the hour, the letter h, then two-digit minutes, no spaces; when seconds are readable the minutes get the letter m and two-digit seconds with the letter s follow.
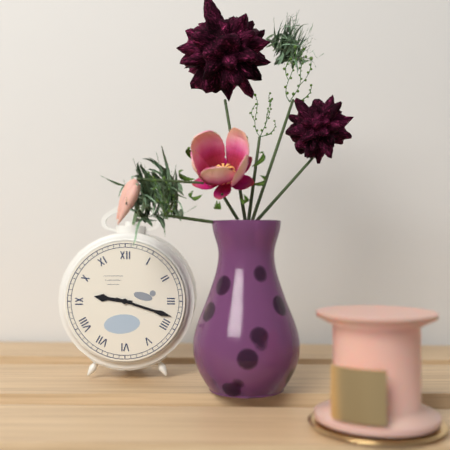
9h18
